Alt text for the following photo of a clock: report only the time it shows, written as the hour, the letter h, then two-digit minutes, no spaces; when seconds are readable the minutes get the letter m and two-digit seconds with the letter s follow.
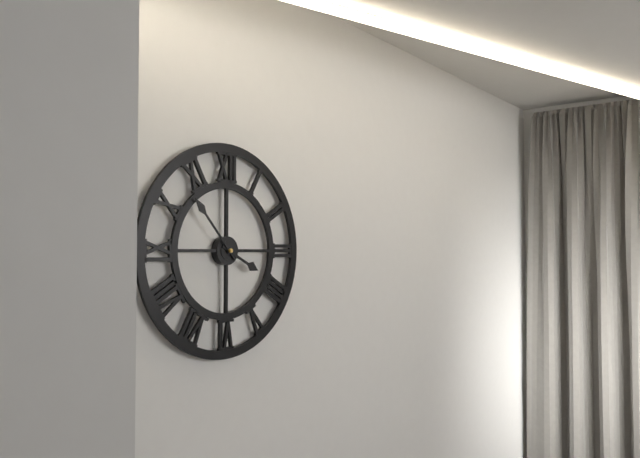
3h53
